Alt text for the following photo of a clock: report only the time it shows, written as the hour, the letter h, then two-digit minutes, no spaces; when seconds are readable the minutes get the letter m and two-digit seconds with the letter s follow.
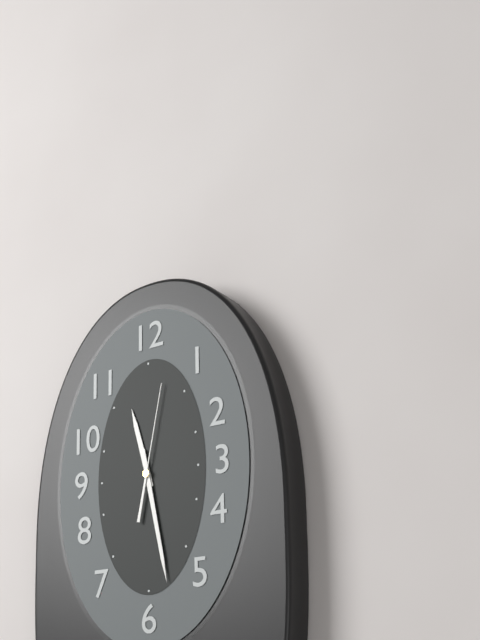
11h28m02s
